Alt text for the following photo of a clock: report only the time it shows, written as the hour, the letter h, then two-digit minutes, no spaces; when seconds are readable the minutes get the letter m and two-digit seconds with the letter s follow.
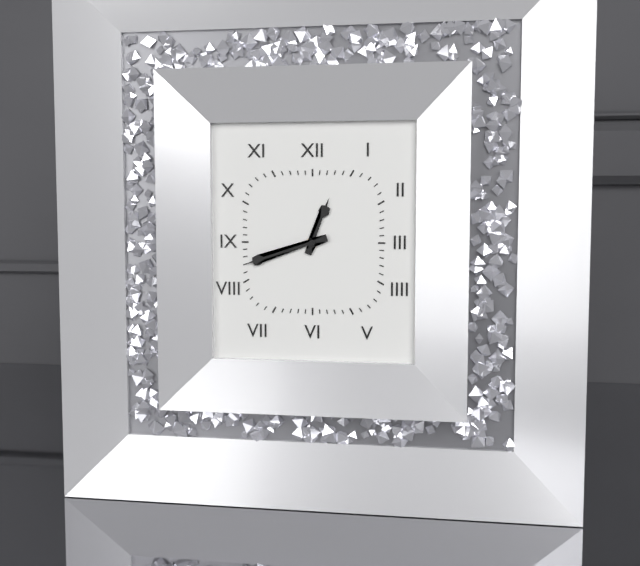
12h42
